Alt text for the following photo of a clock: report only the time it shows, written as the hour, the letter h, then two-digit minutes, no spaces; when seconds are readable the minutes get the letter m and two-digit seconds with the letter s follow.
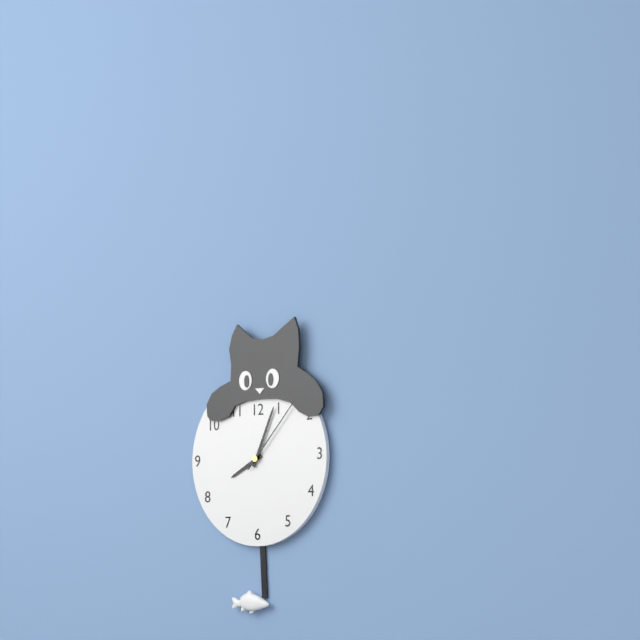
8h04m07s
